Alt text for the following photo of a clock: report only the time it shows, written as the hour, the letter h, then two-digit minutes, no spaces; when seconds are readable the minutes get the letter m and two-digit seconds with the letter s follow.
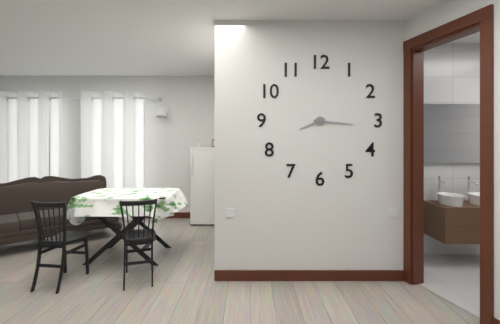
8h16
